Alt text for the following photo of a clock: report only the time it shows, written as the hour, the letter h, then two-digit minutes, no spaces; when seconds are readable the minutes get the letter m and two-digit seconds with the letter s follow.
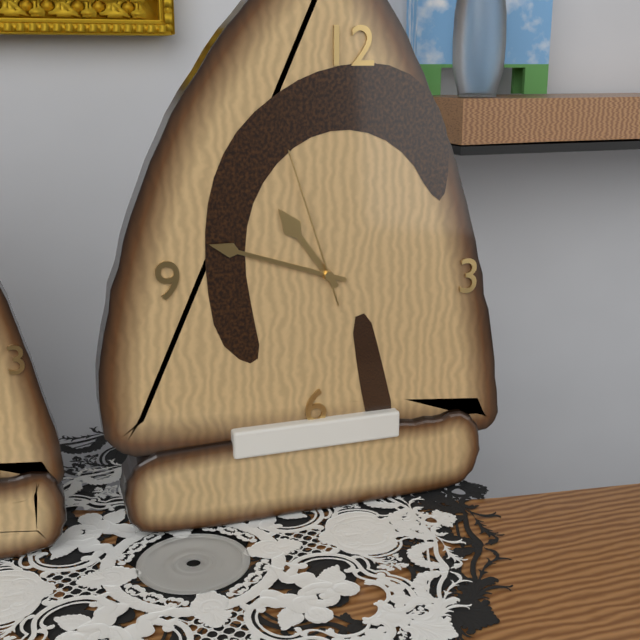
10h48m57s
